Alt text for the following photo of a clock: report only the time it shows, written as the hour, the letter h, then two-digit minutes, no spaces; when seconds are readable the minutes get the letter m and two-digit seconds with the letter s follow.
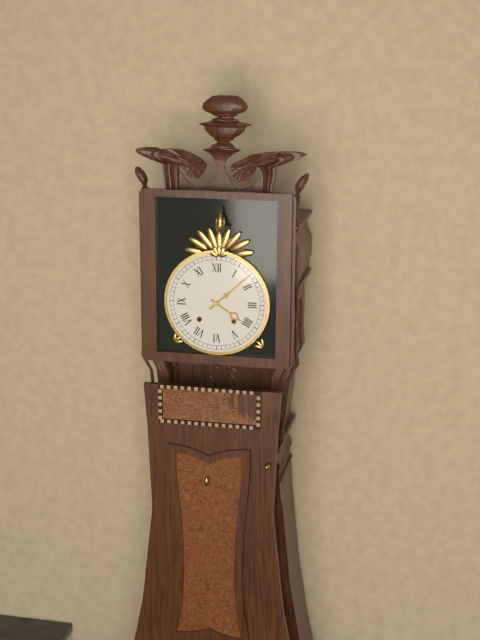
4h08
